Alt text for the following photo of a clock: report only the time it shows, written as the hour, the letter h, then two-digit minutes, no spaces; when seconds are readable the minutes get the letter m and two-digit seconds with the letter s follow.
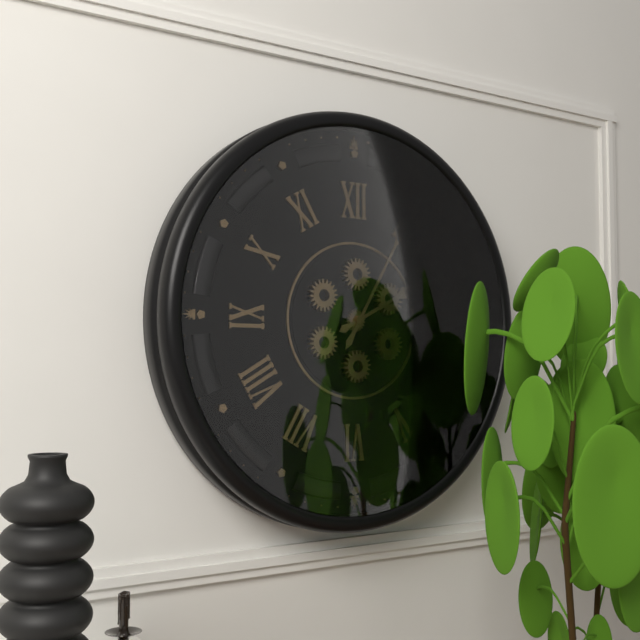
2h05
